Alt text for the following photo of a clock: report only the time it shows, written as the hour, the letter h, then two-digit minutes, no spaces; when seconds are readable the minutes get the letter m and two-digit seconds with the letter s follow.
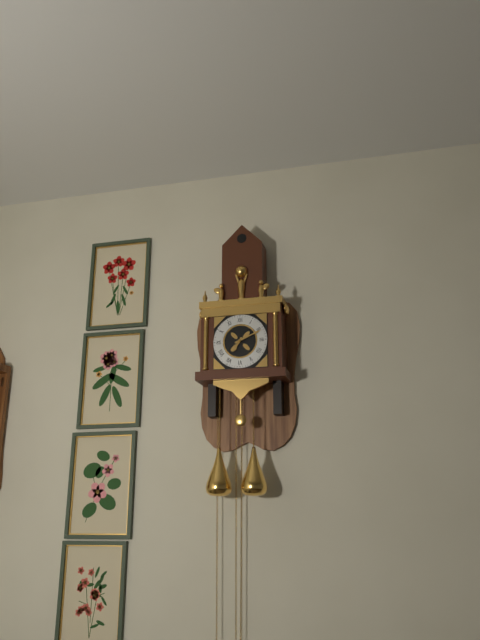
7h11
